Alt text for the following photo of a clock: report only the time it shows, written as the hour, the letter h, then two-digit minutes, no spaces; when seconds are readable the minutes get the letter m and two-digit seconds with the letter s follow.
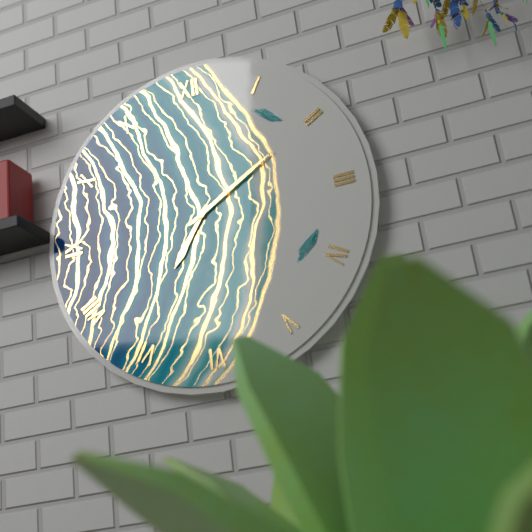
7h10
